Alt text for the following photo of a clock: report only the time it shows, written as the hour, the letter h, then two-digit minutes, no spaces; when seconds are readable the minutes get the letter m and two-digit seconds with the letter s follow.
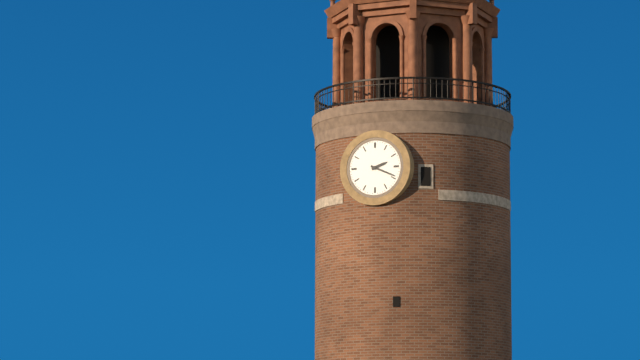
2h19
